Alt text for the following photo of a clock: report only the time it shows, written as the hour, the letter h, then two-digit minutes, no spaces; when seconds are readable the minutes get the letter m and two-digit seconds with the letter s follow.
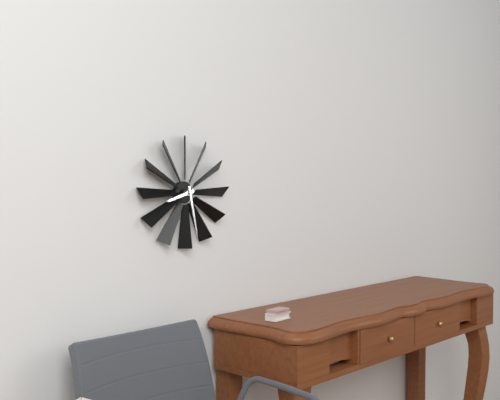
8h28
